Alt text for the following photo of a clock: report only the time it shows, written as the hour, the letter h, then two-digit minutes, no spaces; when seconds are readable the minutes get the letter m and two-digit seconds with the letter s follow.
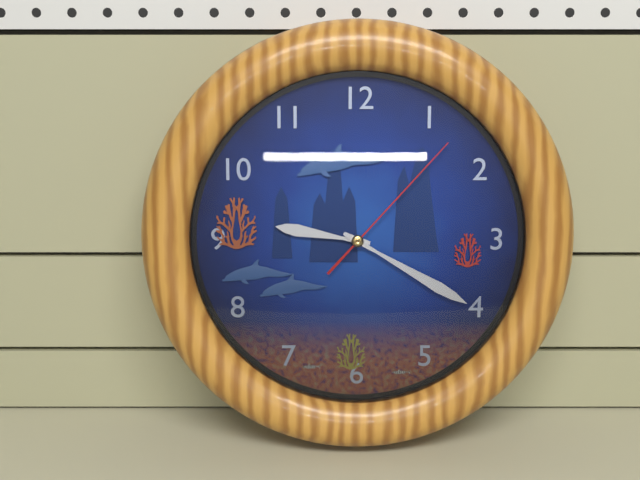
9h20m07s
